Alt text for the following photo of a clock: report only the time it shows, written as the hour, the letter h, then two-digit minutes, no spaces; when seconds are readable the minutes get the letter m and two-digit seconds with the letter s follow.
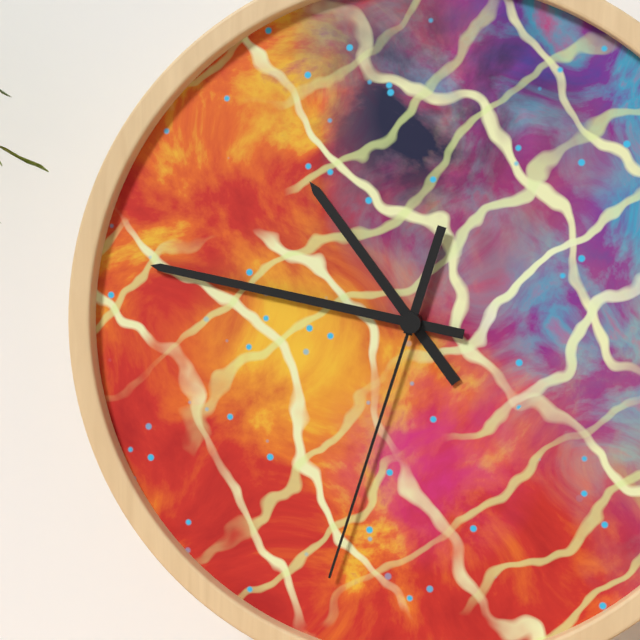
10h47m33s
